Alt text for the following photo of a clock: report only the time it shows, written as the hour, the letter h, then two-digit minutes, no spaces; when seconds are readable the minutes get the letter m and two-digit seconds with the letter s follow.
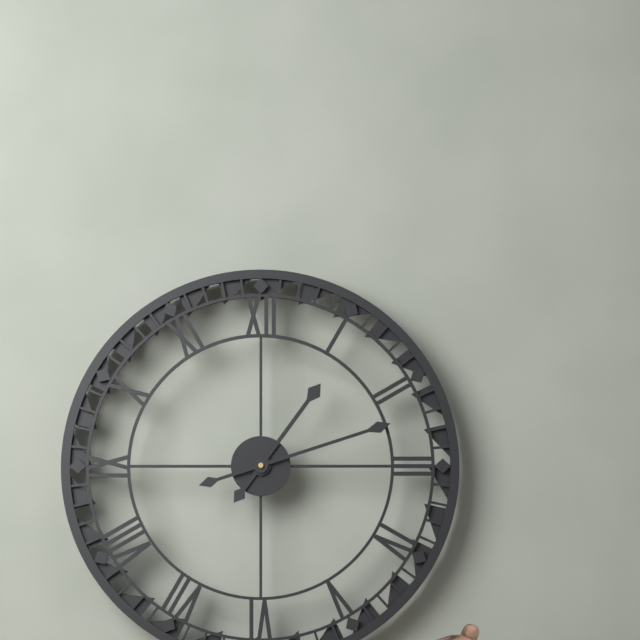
1h12
